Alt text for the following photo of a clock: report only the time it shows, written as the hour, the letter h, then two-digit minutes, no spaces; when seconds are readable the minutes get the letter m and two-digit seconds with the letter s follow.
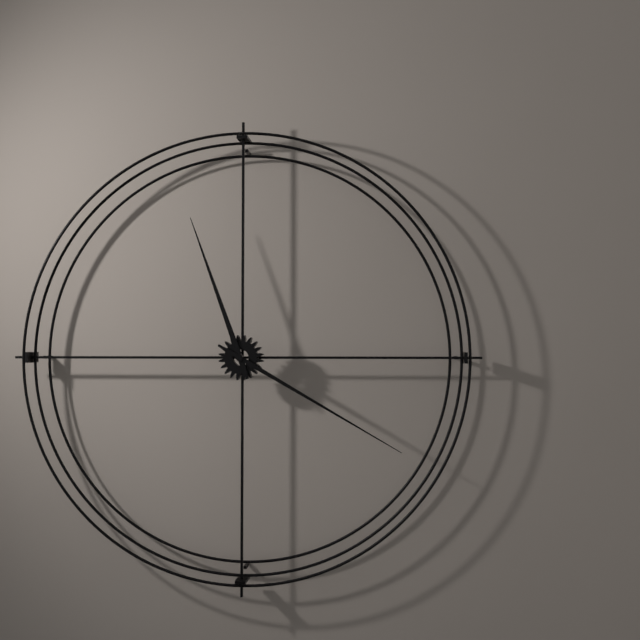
11h20
